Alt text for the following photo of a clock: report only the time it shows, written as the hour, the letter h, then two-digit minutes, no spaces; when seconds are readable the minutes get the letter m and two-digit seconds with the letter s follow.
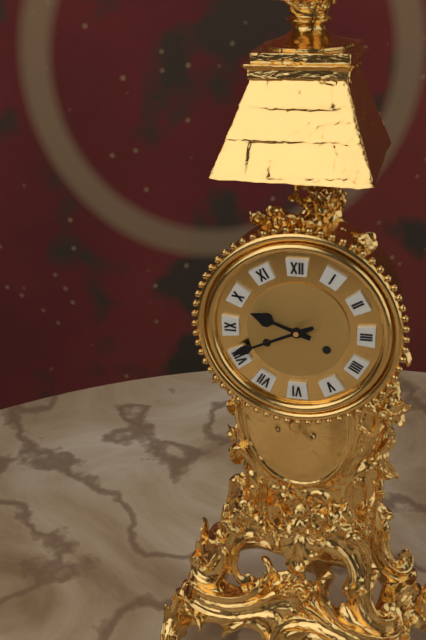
9h41
